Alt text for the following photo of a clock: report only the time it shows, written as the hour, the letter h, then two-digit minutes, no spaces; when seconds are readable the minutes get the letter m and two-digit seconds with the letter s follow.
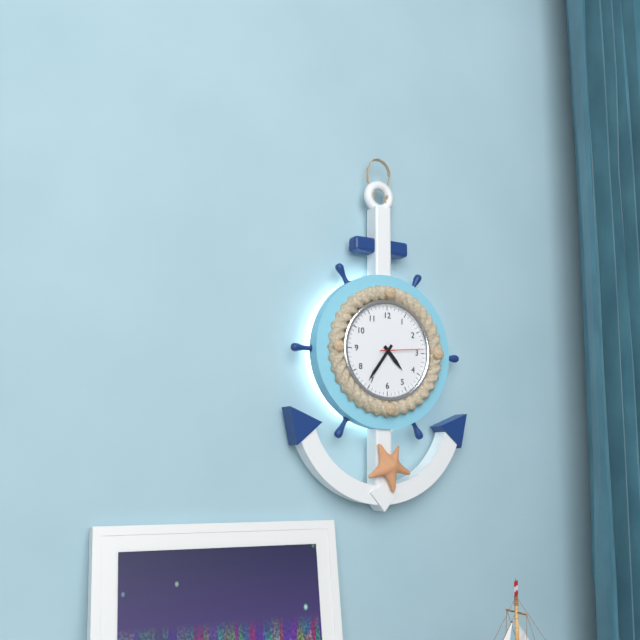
4h36
